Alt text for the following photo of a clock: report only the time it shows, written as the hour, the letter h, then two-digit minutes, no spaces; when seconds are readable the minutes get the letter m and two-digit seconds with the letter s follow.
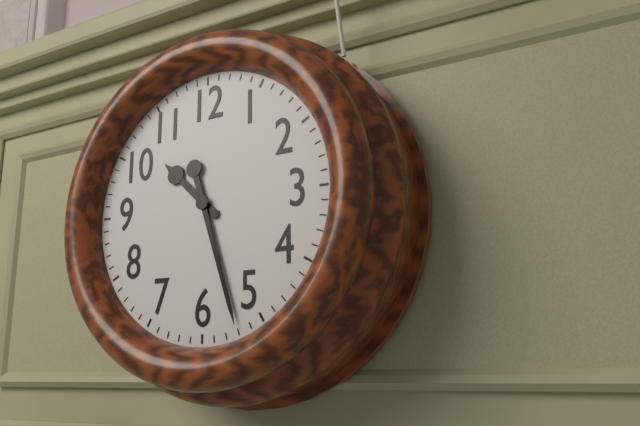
10h27
